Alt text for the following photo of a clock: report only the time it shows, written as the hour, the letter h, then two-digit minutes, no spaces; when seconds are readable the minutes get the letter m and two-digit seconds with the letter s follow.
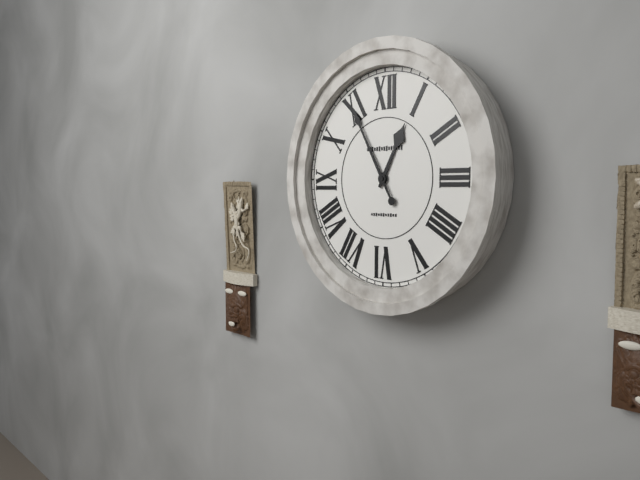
12h55
